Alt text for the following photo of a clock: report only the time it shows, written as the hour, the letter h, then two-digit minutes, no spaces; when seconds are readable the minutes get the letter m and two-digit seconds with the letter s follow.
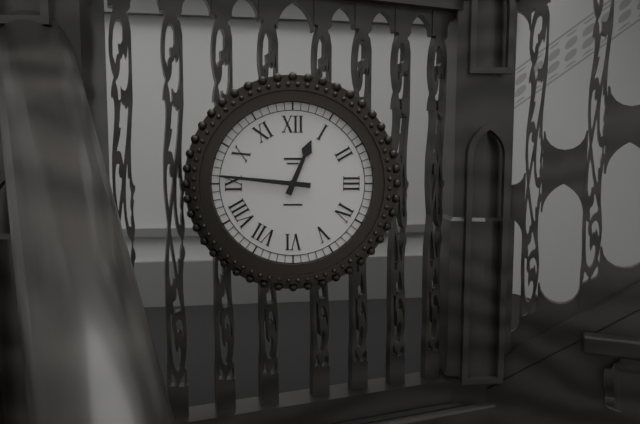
12h46
